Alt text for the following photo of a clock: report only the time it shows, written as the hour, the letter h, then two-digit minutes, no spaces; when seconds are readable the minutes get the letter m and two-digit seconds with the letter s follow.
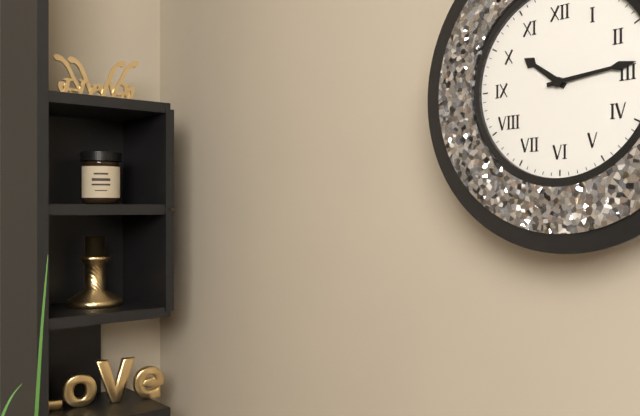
10h14
